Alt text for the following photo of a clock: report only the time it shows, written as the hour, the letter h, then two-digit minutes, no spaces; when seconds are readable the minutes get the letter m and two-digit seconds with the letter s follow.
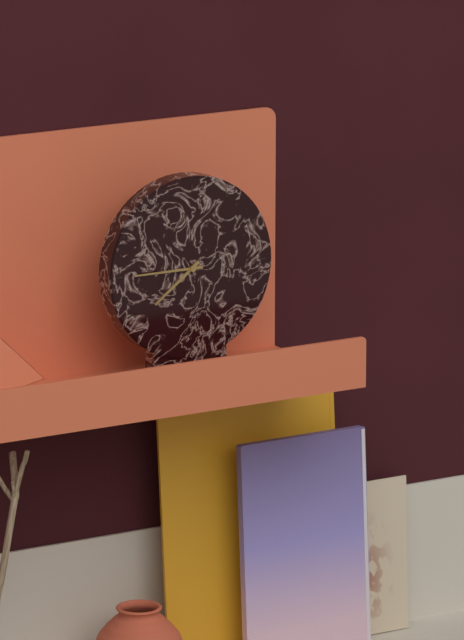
7h45
